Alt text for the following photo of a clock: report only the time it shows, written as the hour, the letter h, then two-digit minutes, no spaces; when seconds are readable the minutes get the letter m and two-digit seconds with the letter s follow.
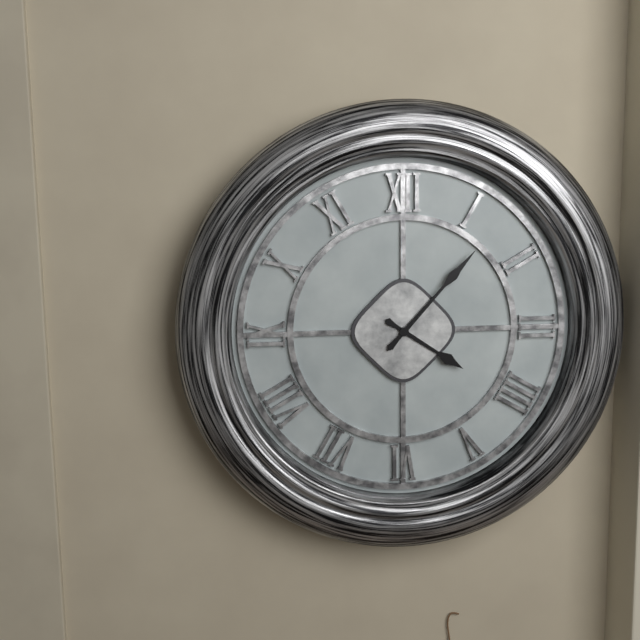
4h07
